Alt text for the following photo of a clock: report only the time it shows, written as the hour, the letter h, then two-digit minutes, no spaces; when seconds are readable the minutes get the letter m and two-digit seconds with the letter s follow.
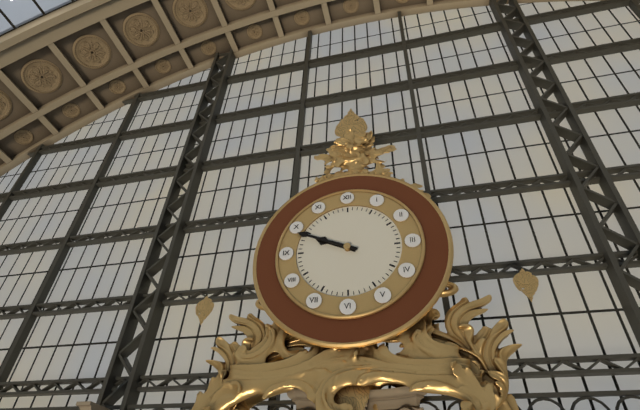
9h49
